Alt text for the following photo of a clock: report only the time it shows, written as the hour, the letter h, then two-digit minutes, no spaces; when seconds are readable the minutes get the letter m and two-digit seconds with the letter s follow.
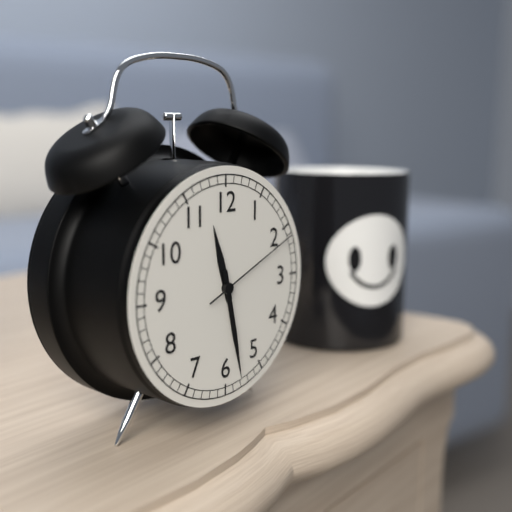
11h28m11s
